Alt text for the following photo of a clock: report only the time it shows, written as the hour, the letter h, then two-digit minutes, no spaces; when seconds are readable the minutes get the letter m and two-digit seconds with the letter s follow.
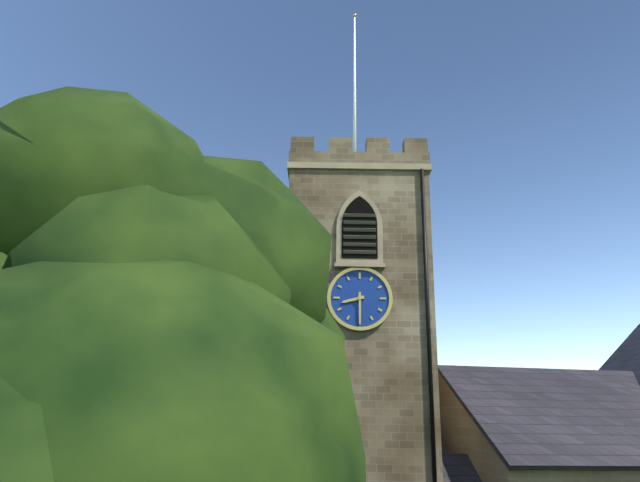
8h30
